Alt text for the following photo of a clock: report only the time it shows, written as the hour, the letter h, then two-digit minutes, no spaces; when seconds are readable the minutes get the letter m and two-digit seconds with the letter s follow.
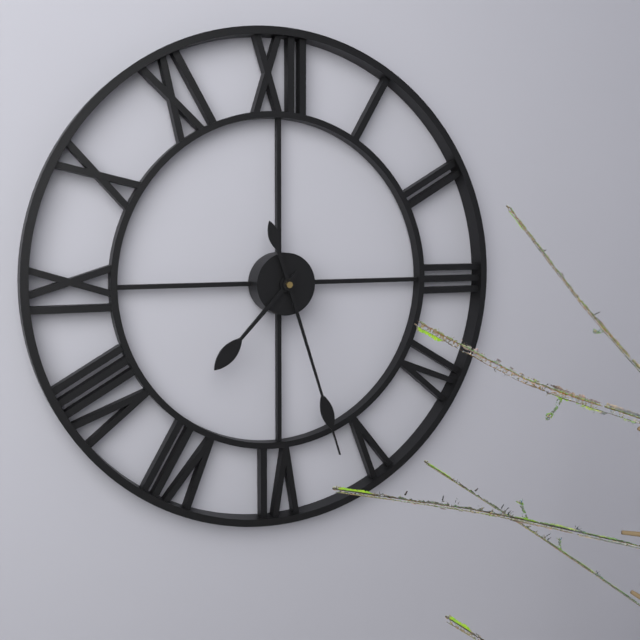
7h27
